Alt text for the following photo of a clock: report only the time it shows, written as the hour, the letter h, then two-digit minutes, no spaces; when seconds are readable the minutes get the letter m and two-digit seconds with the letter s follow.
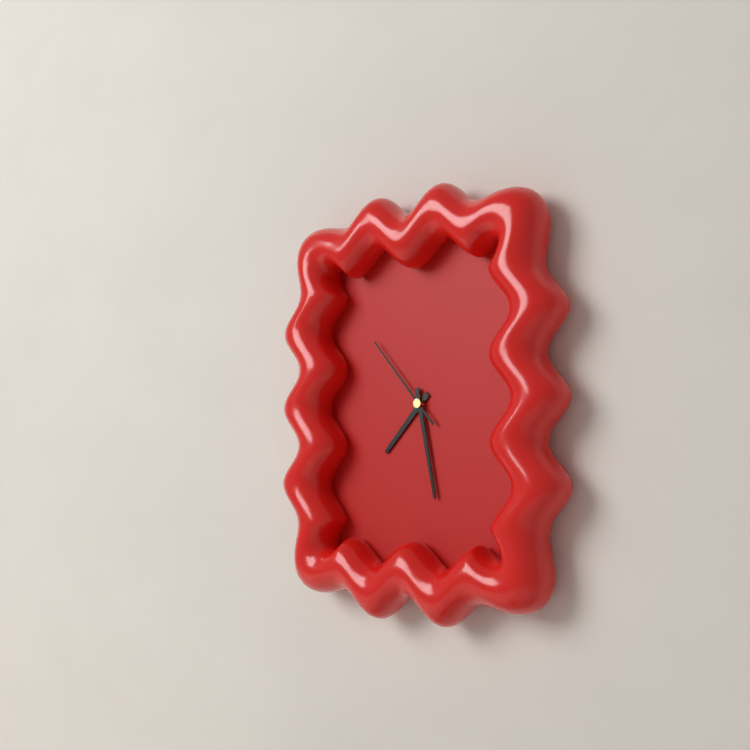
7h28m53s
